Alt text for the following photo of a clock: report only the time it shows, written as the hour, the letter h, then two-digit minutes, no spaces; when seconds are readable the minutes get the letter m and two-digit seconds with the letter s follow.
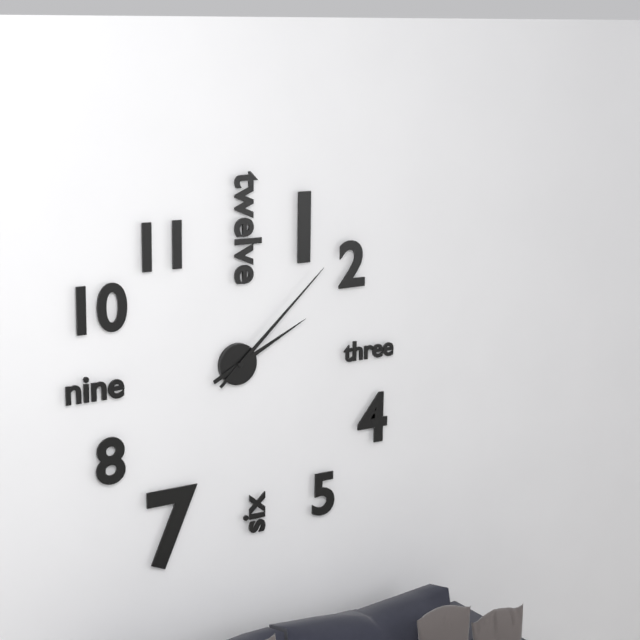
2h08
